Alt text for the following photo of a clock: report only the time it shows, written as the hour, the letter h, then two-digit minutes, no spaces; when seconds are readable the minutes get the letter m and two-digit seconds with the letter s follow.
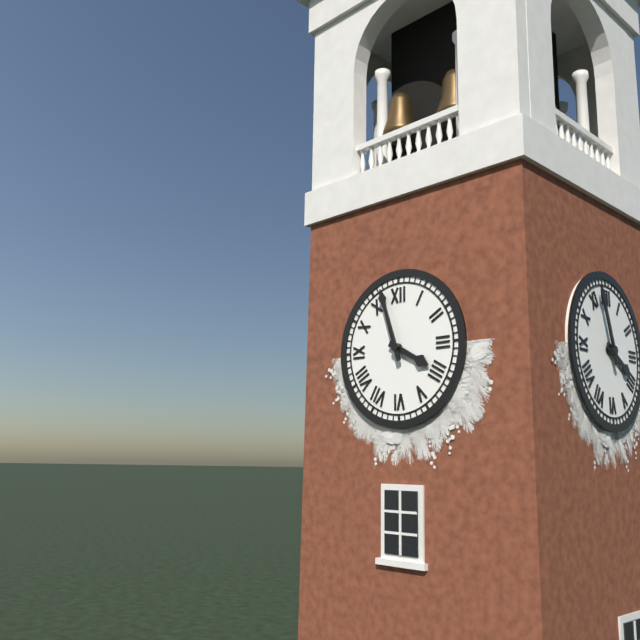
3h57
